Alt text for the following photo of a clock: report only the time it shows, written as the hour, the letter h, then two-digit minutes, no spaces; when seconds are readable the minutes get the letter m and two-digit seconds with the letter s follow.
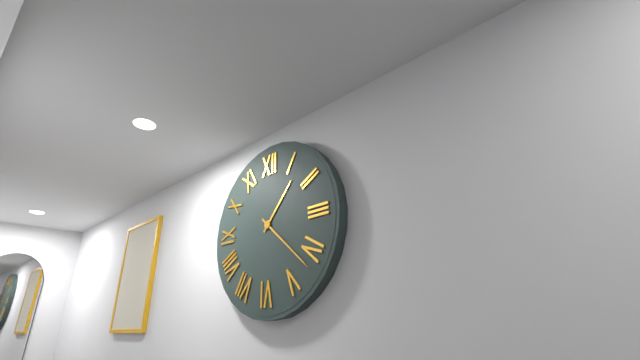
1h22
